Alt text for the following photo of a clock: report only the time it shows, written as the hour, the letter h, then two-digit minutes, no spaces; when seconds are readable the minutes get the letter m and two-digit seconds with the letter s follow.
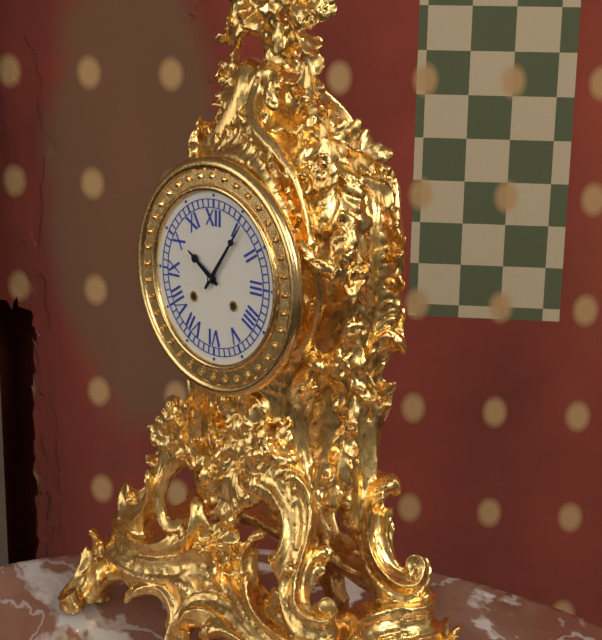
10h06
